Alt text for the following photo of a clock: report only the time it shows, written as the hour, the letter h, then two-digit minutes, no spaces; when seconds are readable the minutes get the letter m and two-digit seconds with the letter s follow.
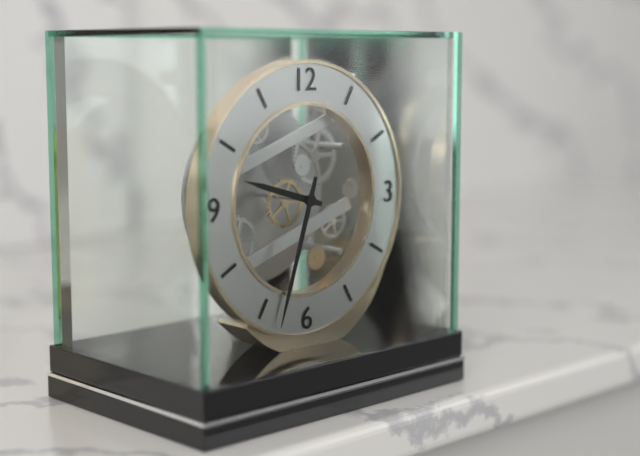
9h33
